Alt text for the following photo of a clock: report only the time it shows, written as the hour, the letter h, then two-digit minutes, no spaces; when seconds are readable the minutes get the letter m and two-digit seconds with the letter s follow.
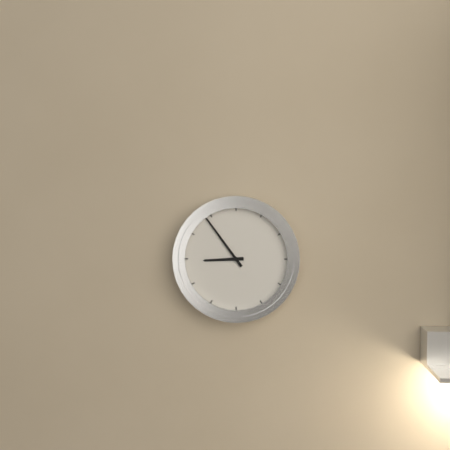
8h54
